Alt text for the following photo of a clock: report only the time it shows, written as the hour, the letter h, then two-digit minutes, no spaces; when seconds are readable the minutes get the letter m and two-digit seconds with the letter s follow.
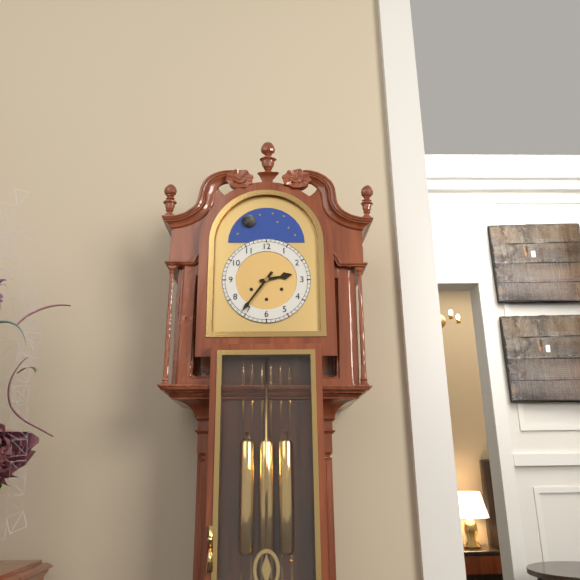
2h36
